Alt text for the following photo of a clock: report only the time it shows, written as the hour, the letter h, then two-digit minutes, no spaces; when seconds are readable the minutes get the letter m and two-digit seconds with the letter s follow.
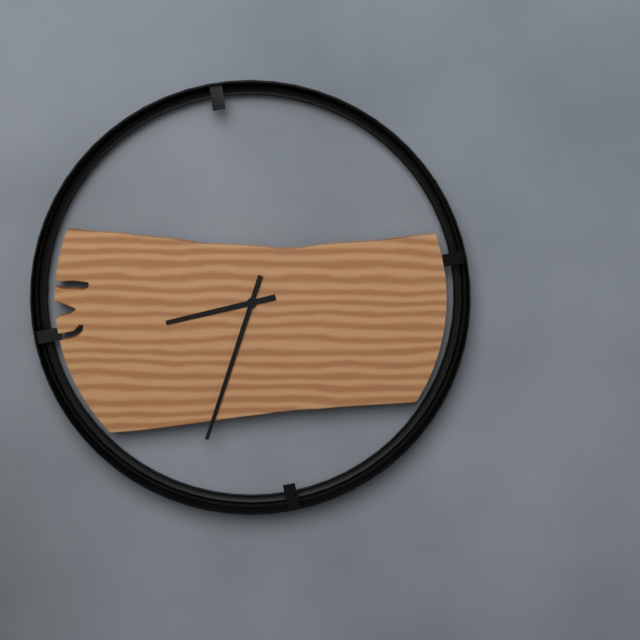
8h33
